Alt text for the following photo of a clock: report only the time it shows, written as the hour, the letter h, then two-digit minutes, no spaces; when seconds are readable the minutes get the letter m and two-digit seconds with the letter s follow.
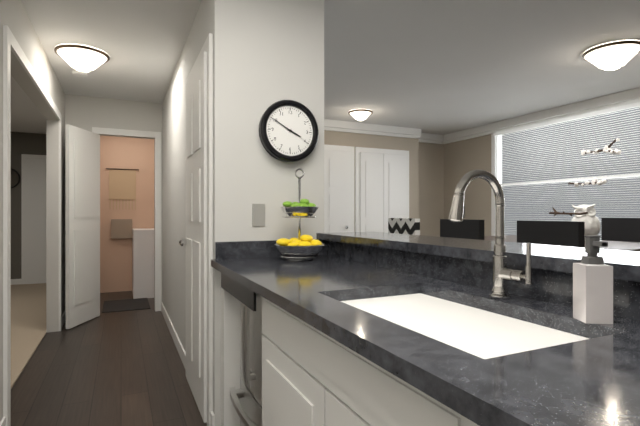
3h50
